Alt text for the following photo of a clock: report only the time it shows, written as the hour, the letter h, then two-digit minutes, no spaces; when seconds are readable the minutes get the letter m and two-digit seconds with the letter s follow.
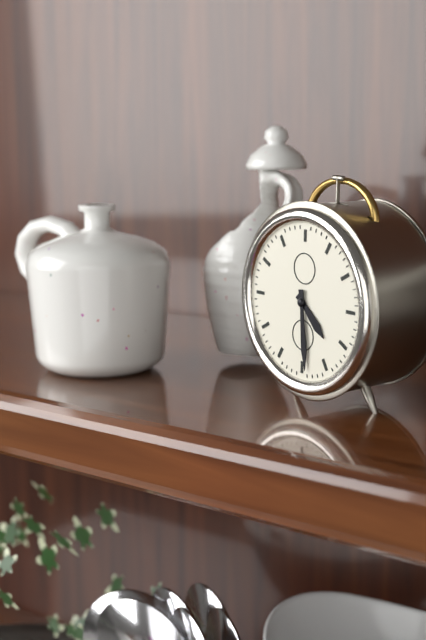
4h29
